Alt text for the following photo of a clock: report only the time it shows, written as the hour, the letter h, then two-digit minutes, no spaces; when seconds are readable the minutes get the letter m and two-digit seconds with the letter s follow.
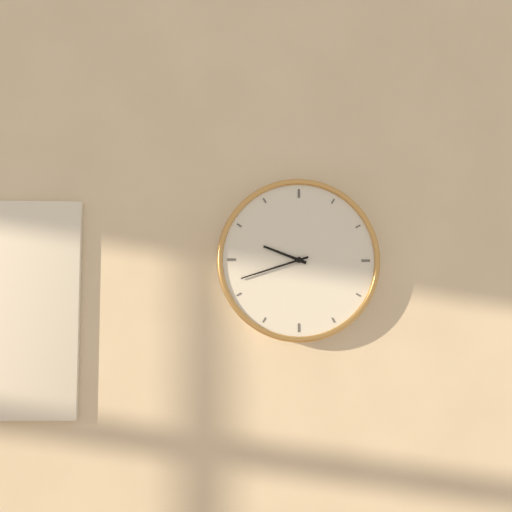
9h42
